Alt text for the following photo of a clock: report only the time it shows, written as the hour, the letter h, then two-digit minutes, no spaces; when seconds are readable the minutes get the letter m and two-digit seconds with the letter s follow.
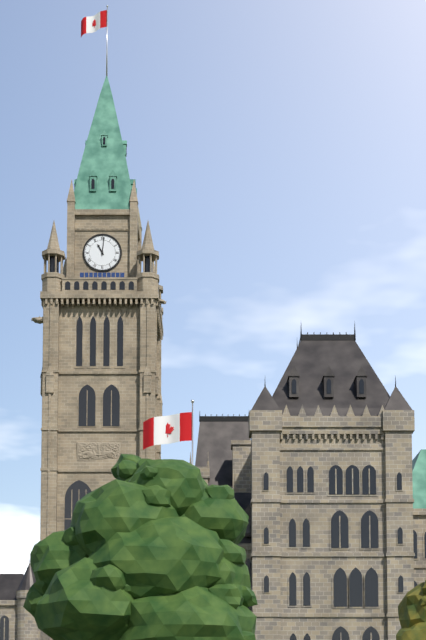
11h01
